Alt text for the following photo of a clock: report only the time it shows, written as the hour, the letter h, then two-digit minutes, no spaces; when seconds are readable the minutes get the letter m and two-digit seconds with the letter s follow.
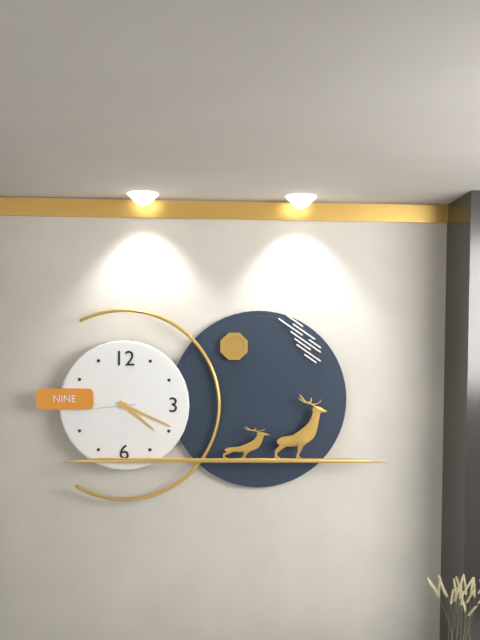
4h19m44s
